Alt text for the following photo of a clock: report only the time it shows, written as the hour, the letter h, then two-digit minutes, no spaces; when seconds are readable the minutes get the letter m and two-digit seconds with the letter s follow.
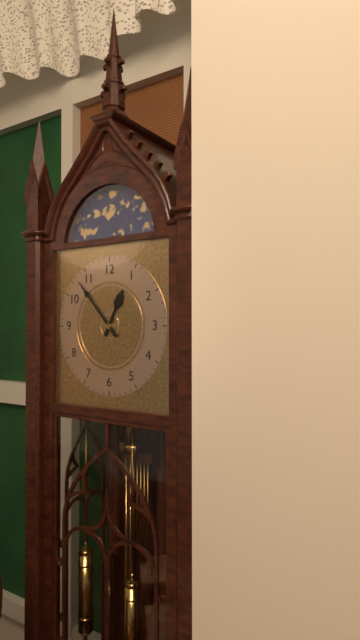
12h53
